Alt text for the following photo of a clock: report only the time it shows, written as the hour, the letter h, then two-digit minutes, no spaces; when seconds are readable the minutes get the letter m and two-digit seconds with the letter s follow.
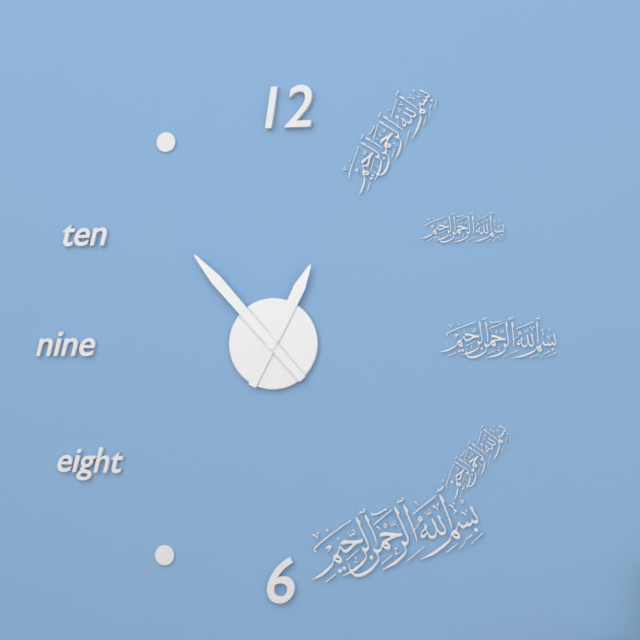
12h53
